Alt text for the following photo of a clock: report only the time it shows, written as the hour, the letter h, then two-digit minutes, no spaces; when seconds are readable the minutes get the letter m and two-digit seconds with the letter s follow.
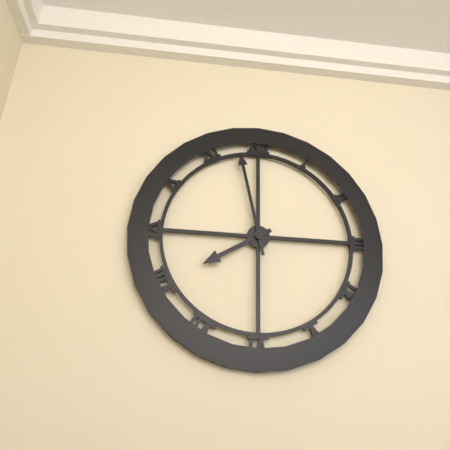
7h58
